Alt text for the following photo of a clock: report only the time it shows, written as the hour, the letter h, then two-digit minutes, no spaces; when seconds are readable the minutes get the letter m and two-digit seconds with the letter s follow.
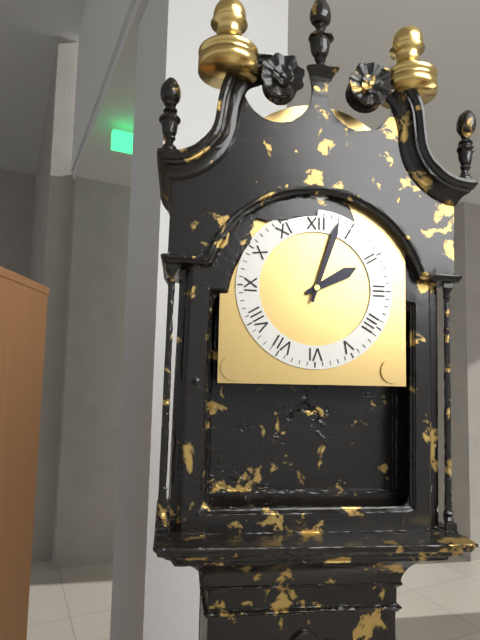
2h03
